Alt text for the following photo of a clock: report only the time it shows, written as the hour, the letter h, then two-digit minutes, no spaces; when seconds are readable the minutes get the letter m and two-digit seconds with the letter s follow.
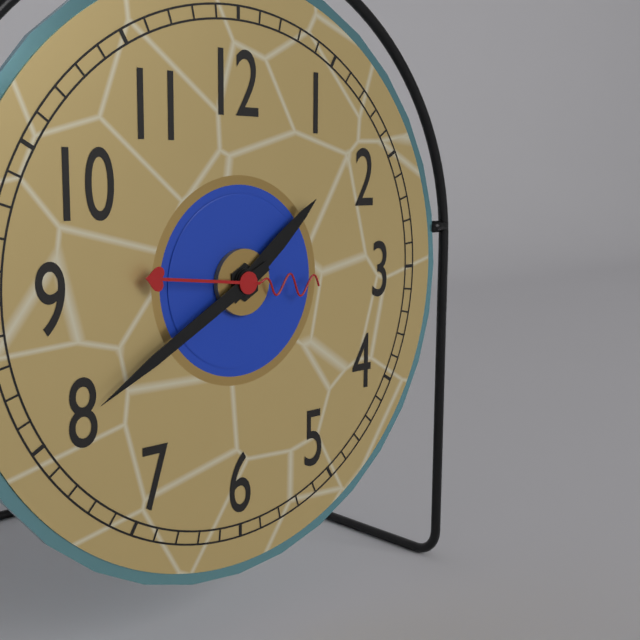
1h40m46s
